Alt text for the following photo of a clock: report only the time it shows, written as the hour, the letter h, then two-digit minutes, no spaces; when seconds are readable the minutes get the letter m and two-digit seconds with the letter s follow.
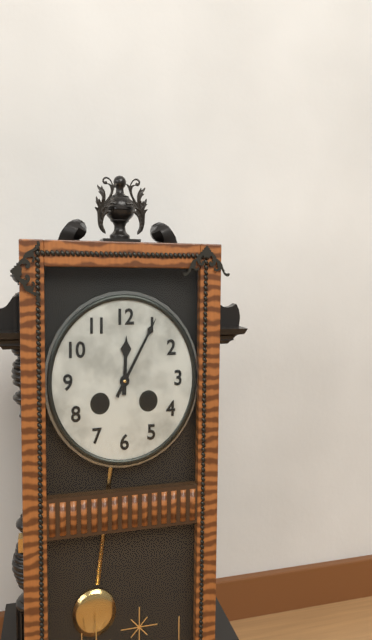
12h05
